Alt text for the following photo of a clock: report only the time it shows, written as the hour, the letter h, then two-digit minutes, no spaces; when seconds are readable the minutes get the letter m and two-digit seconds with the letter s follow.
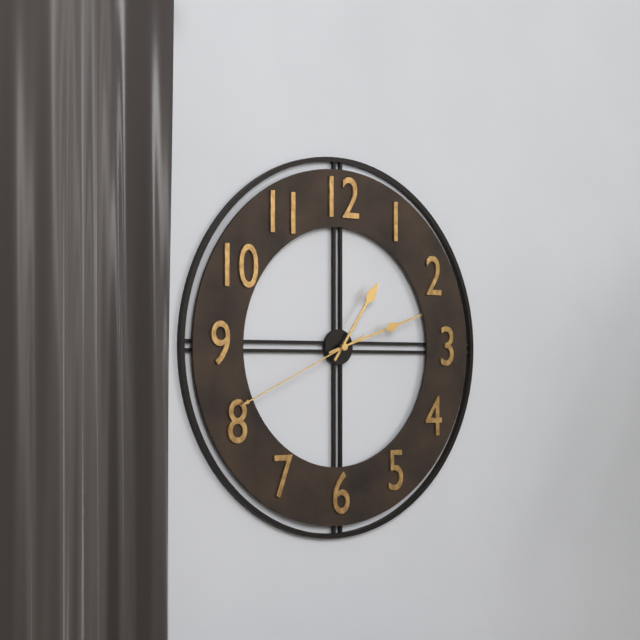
1h12m41s
